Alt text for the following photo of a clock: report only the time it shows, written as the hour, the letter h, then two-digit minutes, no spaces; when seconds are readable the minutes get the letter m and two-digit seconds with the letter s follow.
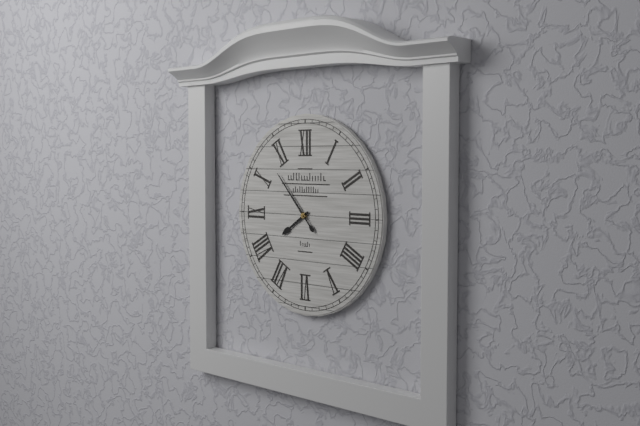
7h53
